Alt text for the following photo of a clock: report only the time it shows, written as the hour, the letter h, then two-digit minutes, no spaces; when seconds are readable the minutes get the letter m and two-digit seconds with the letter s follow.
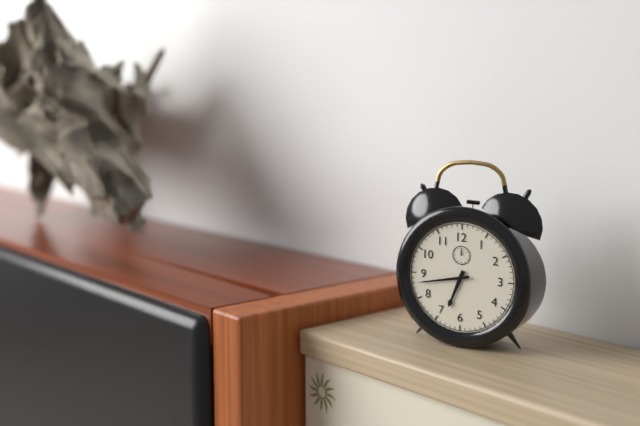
6h43
